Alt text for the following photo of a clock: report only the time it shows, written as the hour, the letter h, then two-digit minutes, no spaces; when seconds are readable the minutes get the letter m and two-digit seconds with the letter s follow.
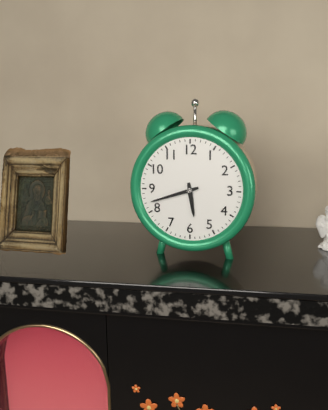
5h42
